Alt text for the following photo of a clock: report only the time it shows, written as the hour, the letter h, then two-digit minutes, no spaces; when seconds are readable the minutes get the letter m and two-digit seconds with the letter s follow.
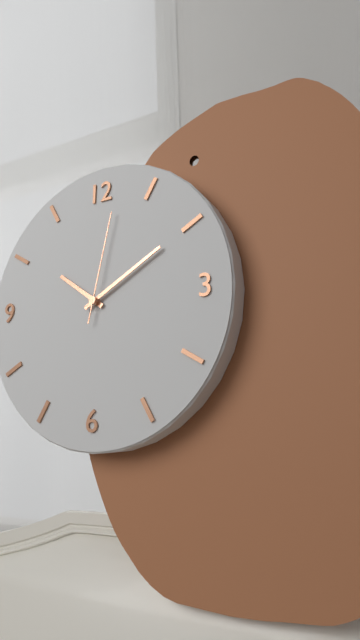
10h10m02s
